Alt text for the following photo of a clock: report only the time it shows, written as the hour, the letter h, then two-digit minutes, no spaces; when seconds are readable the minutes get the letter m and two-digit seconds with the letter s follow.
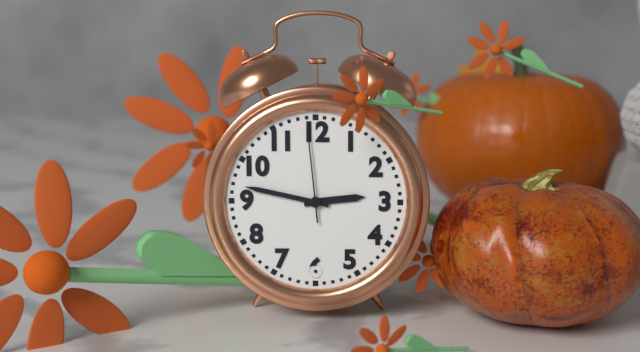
2h47m59s
